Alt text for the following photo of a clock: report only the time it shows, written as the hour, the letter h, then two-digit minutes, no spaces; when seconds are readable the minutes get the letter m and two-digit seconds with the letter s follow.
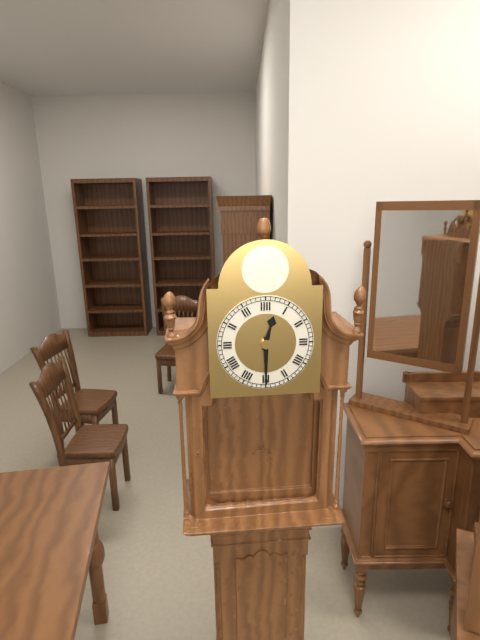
12h30
